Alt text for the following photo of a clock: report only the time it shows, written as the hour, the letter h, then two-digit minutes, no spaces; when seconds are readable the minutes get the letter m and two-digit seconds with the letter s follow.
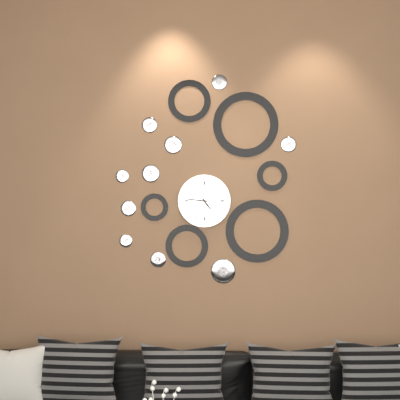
4h46
